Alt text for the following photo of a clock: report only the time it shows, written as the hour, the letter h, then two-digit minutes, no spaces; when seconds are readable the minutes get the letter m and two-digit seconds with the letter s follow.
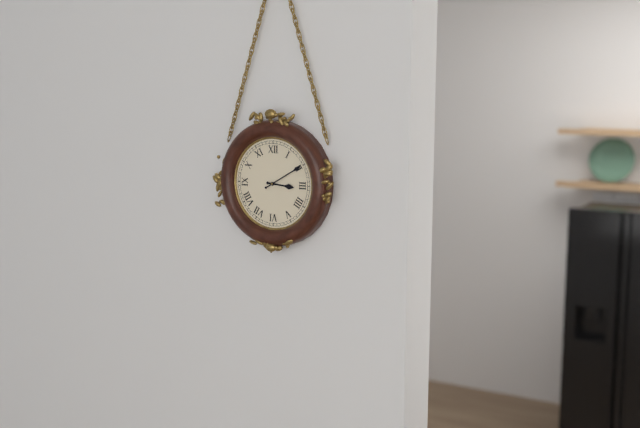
3h10
